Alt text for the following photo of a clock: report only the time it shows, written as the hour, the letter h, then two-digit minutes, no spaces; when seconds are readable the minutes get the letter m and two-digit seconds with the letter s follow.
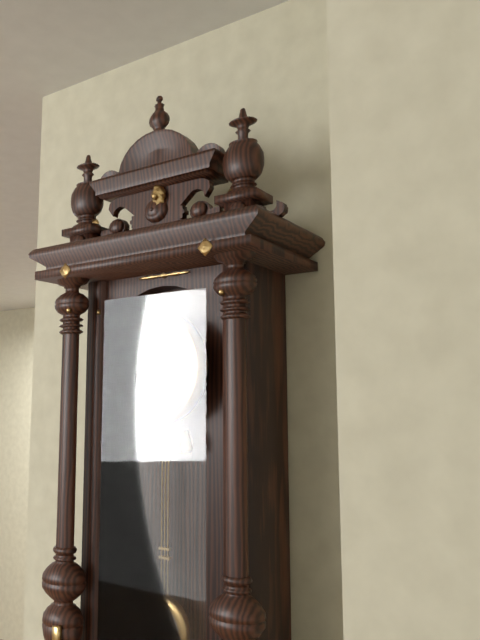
8h07
